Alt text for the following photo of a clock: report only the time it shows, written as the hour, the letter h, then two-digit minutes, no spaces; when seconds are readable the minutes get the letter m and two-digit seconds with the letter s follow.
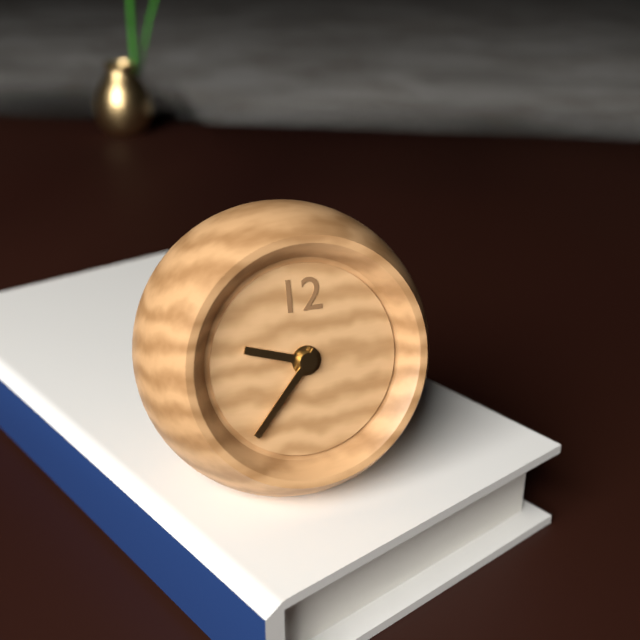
9h37
